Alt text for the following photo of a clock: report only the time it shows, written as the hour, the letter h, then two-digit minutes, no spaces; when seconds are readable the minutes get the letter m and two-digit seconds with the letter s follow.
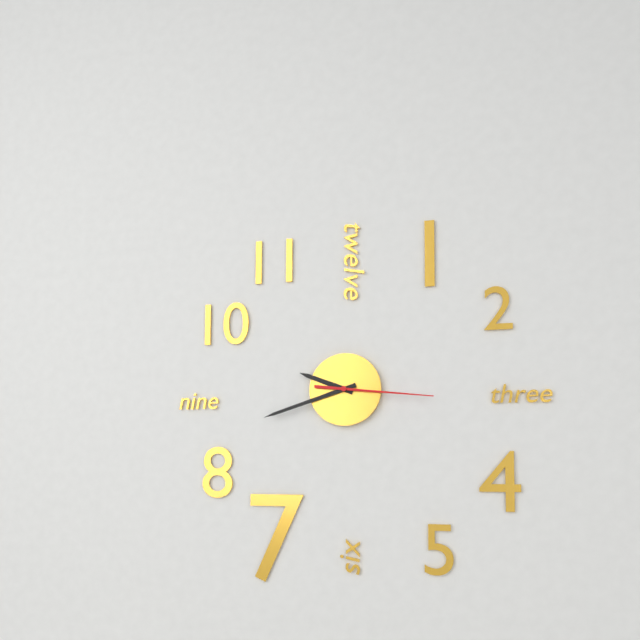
9h42m16s
